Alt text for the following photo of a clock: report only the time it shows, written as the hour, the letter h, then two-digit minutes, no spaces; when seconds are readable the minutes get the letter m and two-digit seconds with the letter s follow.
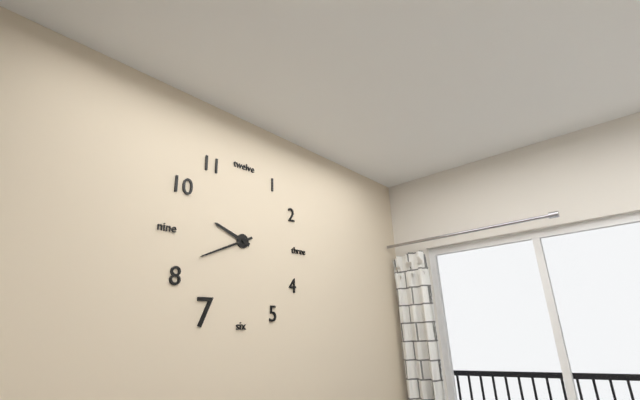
9h41
